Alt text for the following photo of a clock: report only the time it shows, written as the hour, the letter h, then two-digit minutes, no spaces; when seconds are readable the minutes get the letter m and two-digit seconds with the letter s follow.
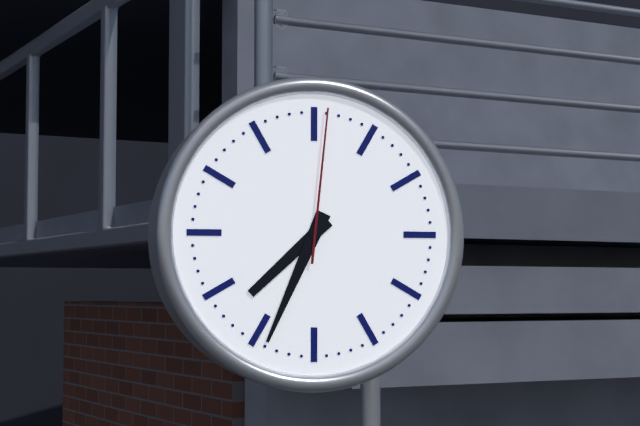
7h34m01s
